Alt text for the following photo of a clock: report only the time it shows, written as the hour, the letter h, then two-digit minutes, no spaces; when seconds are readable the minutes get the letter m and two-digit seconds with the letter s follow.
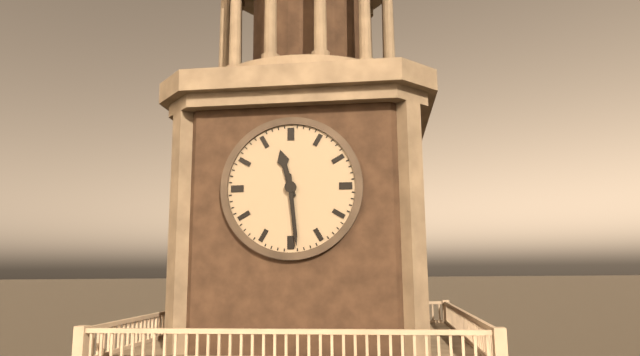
11h29
